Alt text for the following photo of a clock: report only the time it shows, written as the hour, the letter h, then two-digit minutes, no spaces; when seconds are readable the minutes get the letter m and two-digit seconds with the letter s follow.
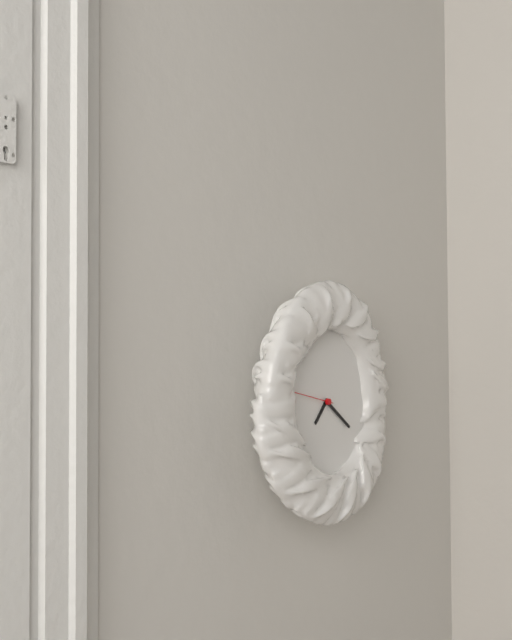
7h21
